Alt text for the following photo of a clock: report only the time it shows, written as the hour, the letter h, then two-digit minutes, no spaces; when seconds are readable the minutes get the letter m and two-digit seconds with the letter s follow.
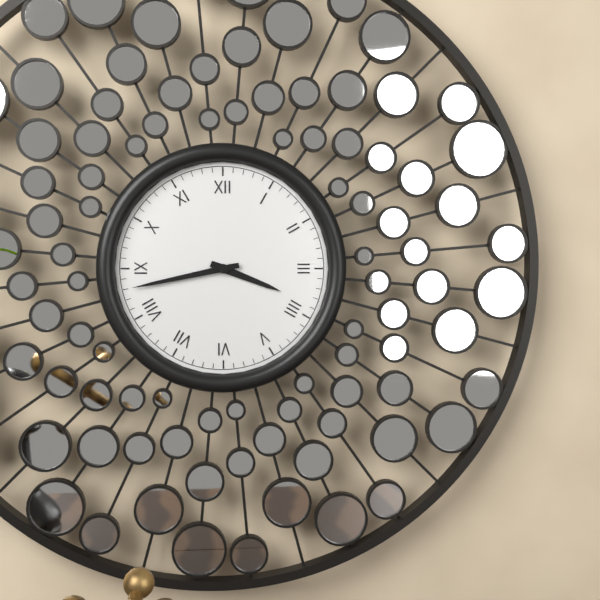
3h43
